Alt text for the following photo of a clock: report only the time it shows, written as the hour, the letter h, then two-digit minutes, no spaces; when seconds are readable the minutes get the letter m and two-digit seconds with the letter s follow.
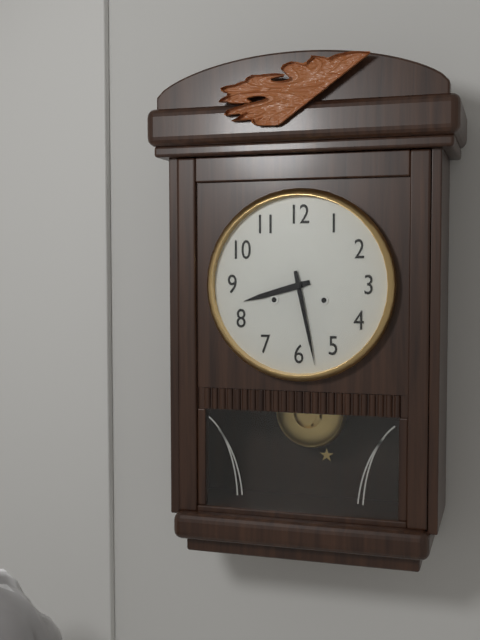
8h28
